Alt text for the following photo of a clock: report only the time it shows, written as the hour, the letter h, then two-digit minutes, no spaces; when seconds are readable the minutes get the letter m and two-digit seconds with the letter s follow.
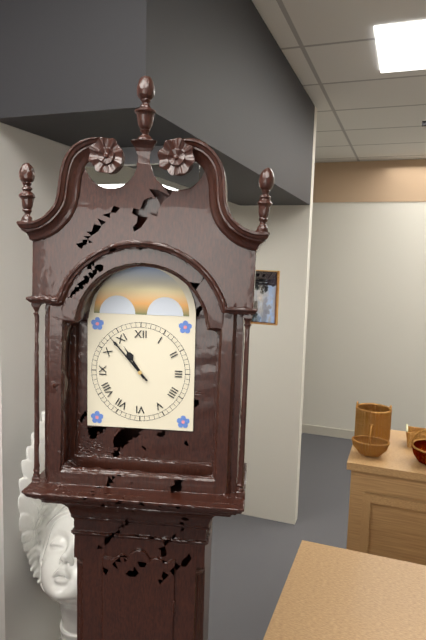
10h53
